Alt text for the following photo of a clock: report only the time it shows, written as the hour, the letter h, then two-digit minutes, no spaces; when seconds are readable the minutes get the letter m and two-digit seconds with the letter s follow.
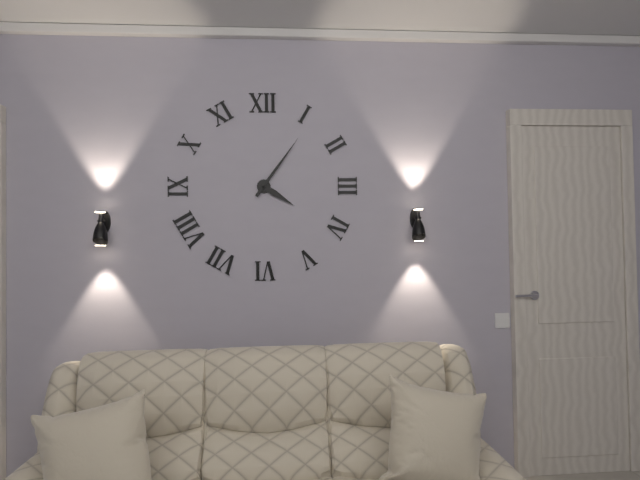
4h06
